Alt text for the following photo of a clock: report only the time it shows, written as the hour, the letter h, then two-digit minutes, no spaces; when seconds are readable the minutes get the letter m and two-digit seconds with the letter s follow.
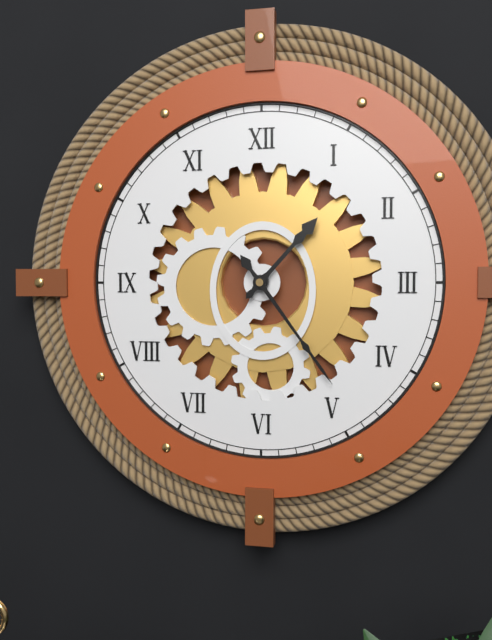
1h24
